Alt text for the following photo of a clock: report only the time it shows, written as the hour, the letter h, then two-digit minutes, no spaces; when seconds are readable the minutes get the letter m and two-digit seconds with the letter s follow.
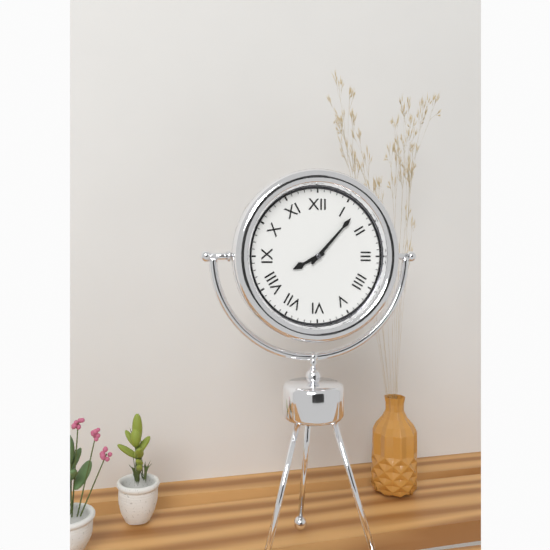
8h07
